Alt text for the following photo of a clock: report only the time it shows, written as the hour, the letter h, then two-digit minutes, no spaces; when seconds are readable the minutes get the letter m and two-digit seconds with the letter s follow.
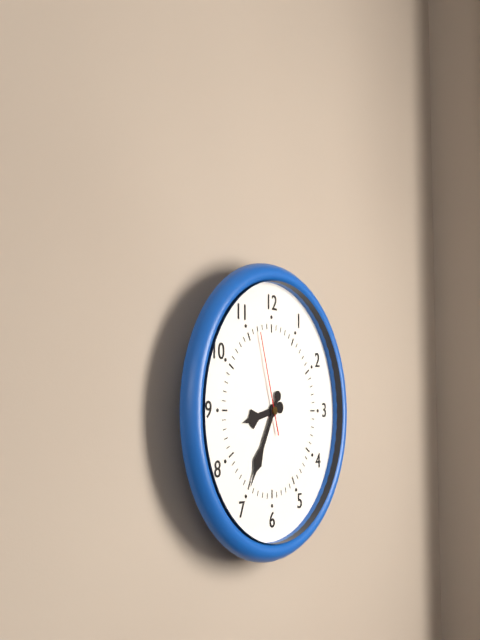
8h35m57s
